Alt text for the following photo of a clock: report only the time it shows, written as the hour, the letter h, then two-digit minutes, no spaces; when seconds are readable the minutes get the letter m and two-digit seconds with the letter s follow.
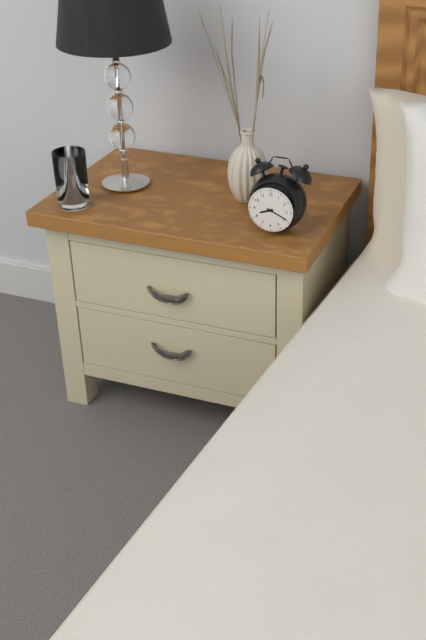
8h19
